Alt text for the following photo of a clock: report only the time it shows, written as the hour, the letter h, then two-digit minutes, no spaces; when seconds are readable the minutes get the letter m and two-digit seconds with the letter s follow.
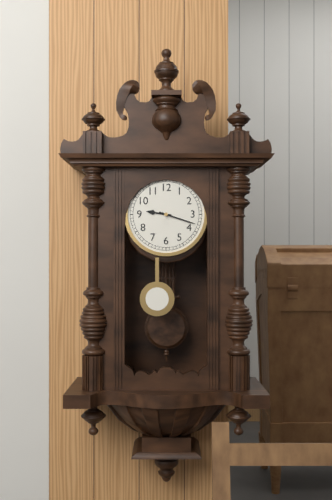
9h18
